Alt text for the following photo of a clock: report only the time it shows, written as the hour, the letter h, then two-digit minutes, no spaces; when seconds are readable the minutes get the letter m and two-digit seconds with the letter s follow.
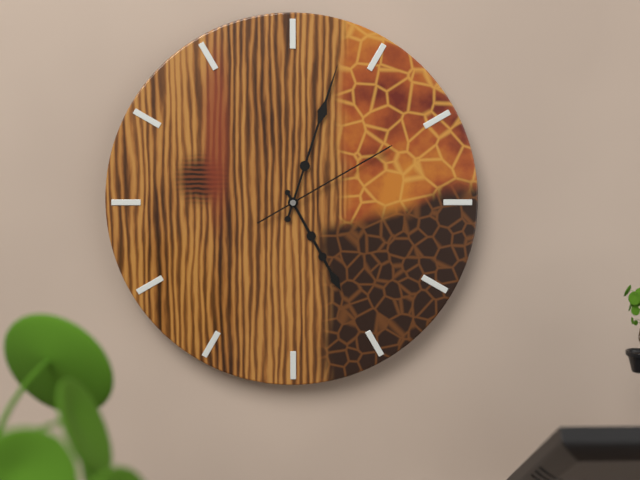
5h03m10s
